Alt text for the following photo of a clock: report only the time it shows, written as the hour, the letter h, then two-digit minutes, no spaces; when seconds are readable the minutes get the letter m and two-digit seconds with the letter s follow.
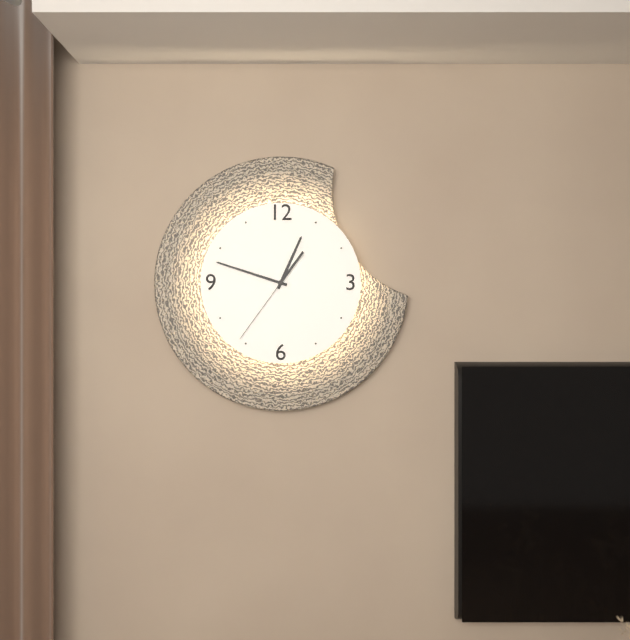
12h48m36s
